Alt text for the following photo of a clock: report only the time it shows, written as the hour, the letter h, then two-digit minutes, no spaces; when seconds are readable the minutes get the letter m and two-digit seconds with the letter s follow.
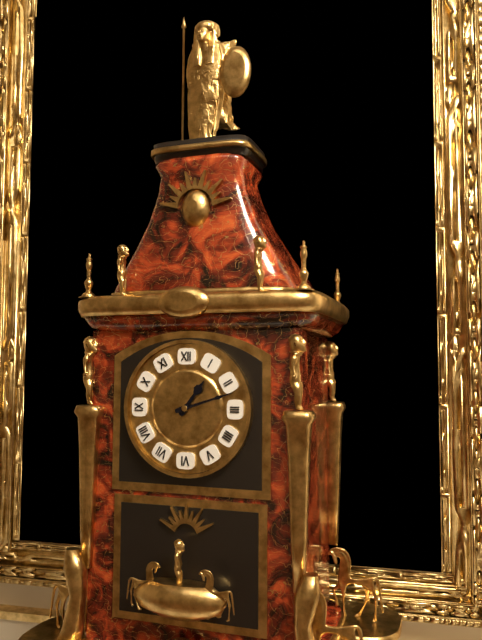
1h12
